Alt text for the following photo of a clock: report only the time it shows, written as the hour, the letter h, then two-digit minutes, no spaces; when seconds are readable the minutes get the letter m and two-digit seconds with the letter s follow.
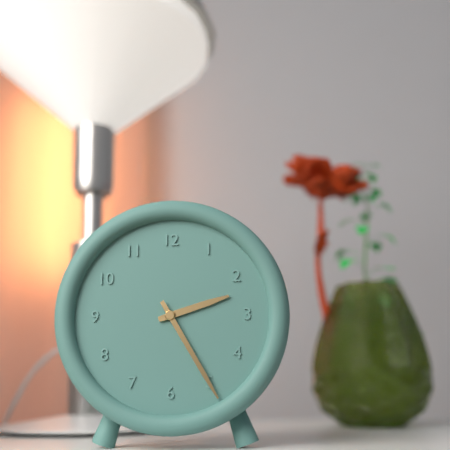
2h25
